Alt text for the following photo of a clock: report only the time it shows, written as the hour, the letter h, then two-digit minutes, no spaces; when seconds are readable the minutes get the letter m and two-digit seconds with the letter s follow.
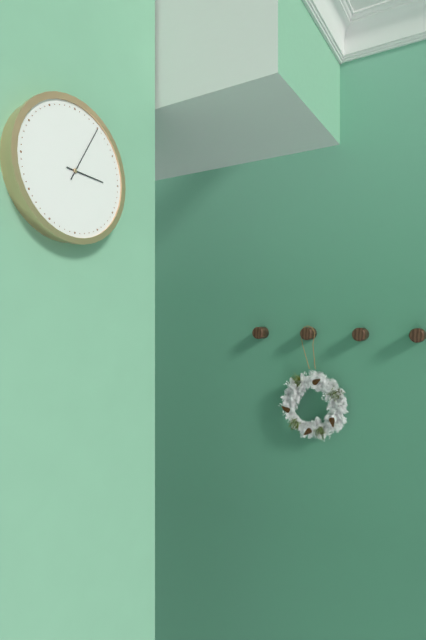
3h05
